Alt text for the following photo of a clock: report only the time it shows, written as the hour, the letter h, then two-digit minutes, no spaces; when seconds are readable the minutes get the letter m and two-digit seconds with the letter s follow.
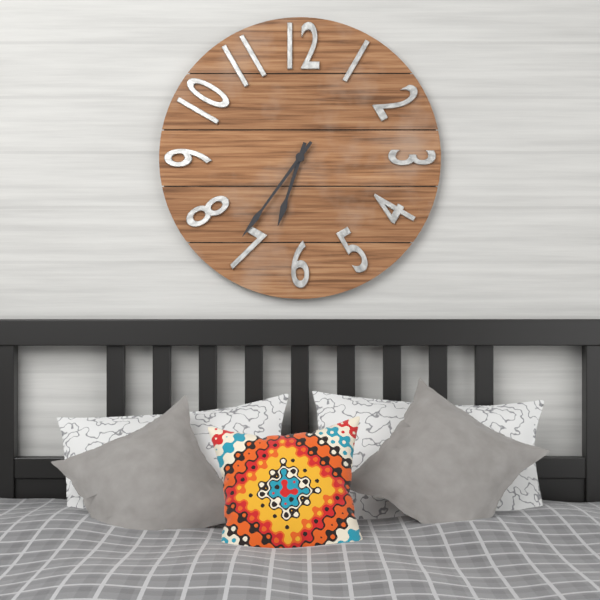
6h36
